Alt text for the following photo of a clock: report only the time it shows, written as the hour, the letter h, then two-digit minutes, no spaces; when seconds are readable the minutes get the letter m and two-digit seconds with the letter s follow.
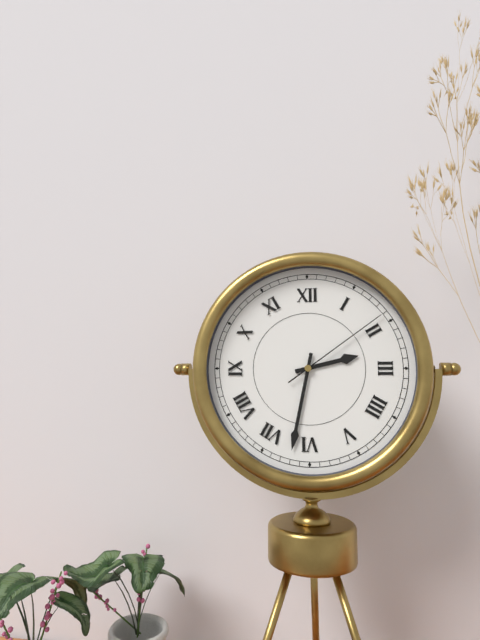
2h32m09s
